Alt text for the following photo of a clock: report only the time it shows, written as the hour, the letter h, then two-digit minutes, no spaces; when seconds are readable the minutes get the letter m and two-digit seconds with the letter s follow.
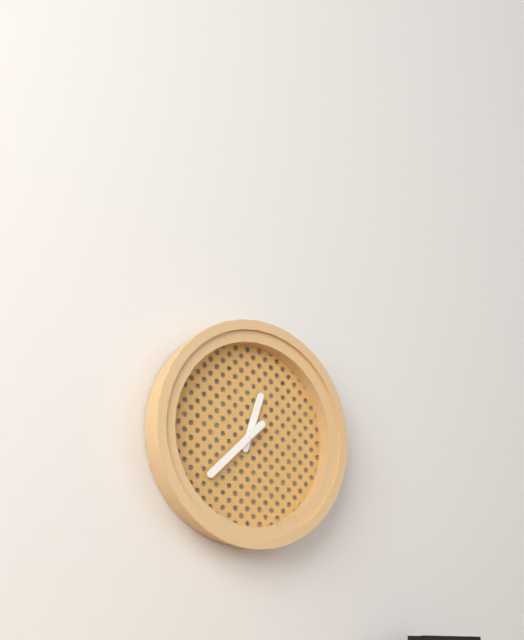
12h38
